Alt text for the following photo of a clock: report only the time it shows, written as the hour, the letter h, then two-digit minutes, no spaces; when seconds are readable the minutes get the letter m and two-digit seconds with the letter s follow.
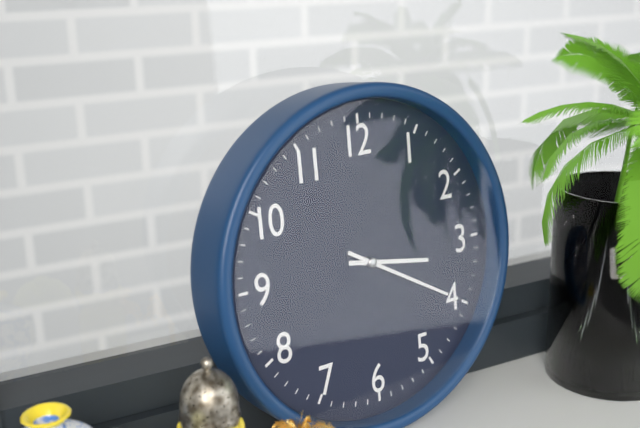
3h20
